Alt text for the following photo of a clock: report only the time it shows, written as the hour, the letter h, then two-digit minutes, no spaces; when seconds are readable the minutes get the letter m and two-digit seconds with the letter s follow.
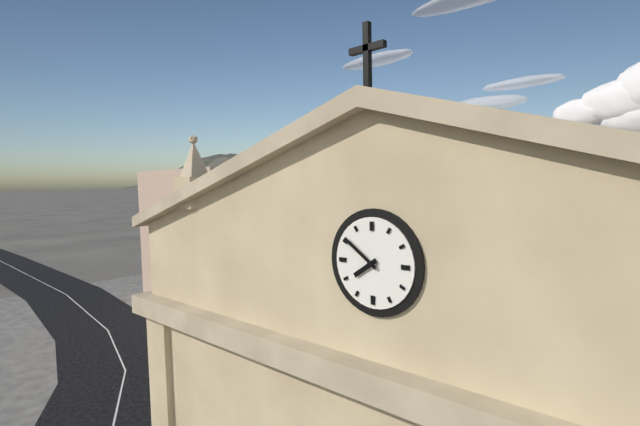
7h51
